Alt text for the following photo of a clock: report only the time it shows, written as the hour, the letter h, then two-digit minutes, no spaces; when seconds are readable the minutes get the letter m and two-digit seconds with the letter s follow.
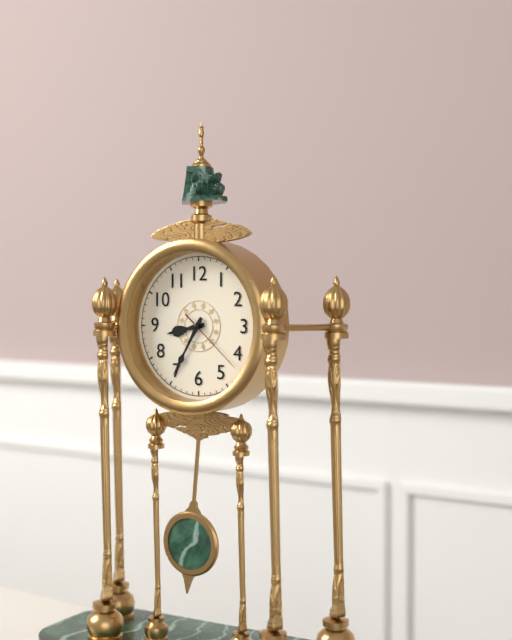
8h35m22s
